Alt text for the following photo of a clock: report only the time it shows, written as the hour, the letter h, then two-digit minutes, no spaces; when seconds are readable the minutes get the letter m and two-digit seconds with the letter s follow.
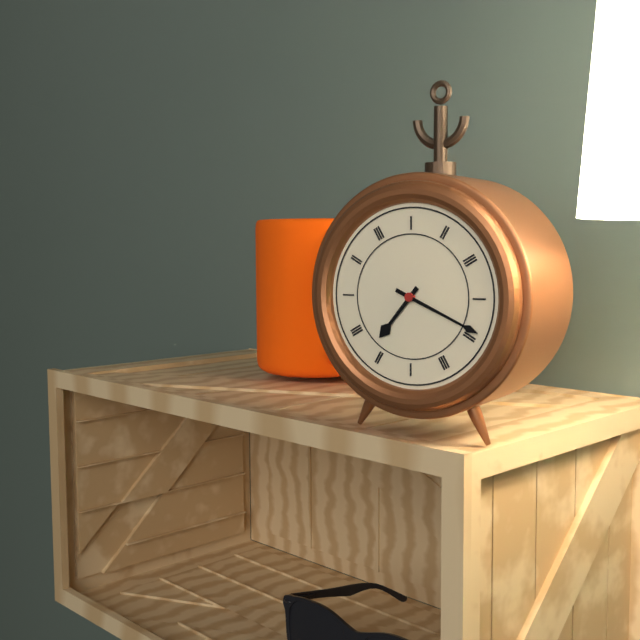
7h19
